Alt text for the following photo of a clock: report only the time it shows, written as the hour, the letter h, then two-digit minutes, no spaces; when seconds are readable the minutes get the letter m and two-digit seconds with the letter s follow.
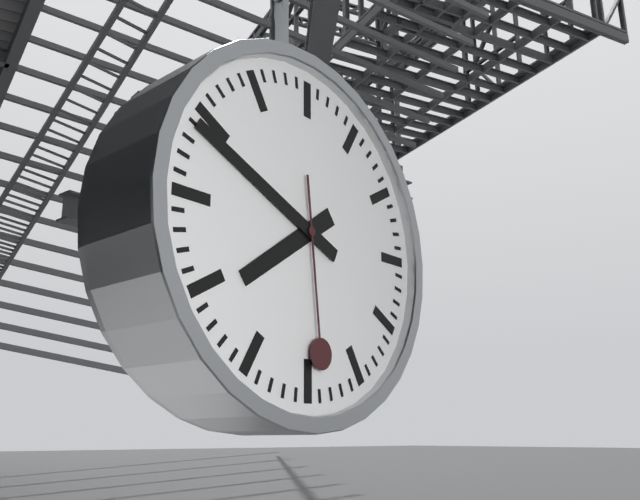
7h49m29s
